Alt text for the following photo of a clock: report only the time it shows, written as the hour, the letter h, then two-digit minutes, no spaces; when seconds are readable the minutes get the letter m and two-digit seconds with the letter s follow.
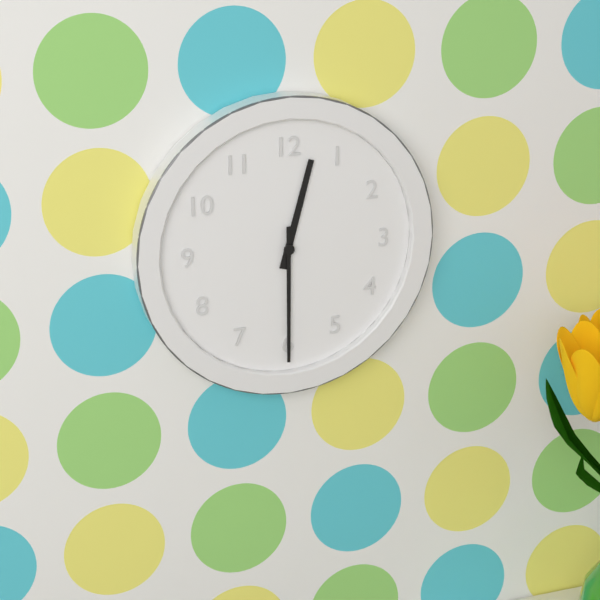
12h30
